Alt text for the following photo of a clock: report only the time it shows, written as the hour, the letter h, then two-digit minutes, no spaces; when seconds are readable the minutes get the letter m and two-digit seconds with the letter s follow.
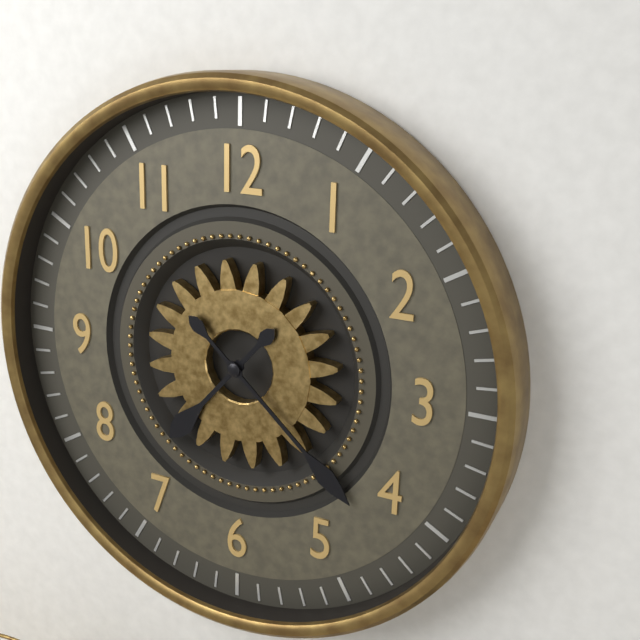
7h22
